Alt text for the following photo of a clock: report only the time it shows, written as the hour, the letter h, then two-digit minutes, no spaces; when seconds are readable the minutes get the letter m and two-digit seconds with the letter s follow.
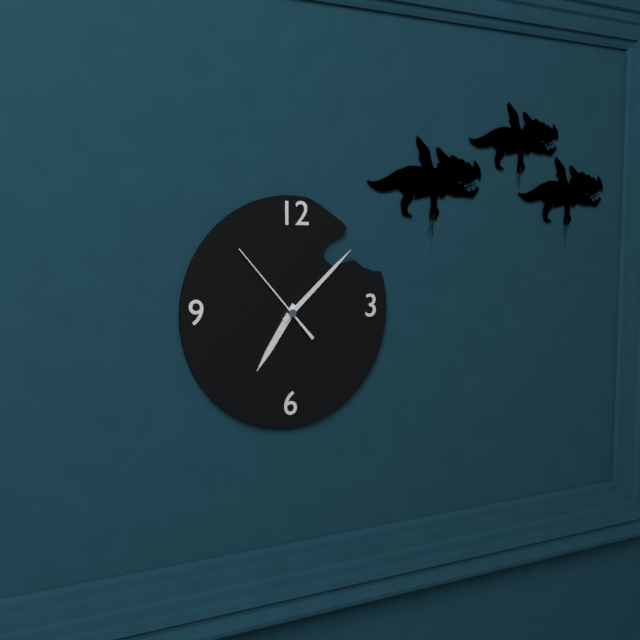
7h08m53s
